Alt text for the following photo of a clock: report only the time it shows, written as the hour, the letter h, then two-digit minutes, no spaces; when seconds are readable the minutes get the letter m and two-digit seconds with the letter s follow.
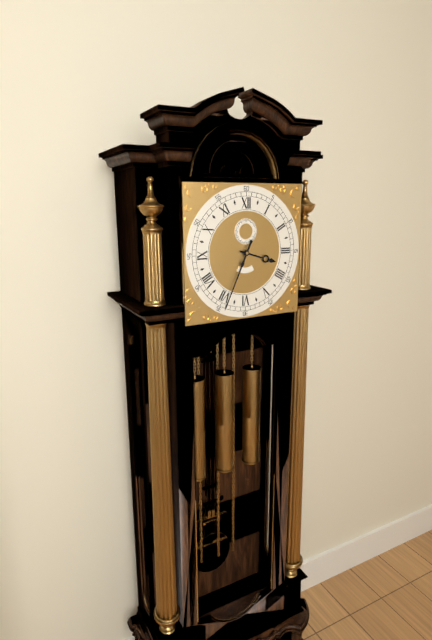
3h34
